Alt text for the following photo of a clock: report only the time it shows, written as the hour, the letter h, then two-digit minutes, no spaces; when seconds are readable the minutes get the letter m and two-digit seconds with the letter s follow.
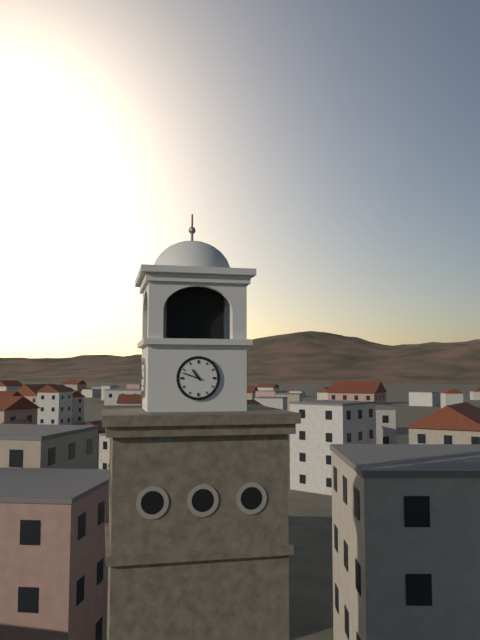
10h48
